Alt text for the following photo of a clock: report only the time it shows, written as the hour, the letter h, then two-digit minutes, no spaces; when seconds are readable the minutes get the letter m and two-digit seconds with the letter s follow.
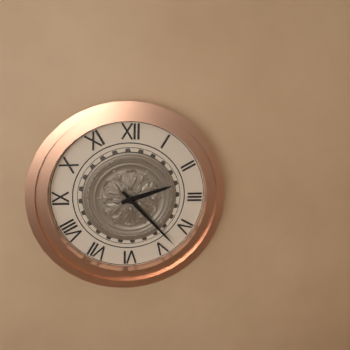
2h23
